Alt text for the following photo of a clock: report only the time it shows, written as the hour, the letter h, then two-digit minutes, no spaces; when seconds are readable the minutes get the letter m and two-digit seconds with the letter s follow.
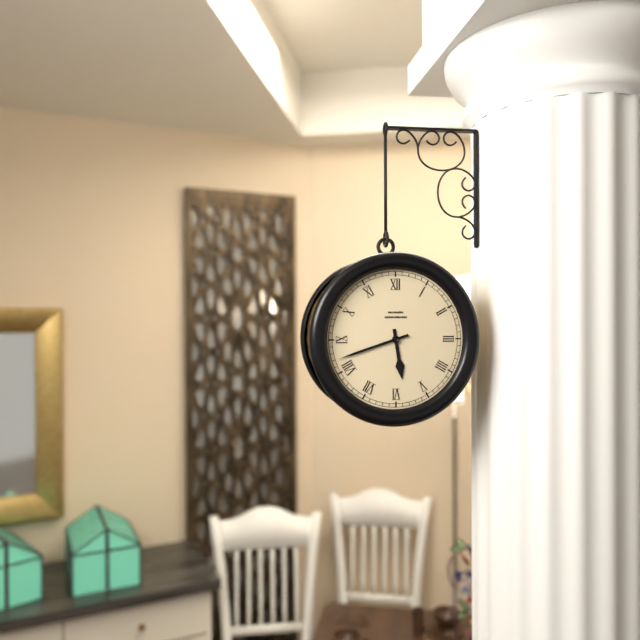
5h42
